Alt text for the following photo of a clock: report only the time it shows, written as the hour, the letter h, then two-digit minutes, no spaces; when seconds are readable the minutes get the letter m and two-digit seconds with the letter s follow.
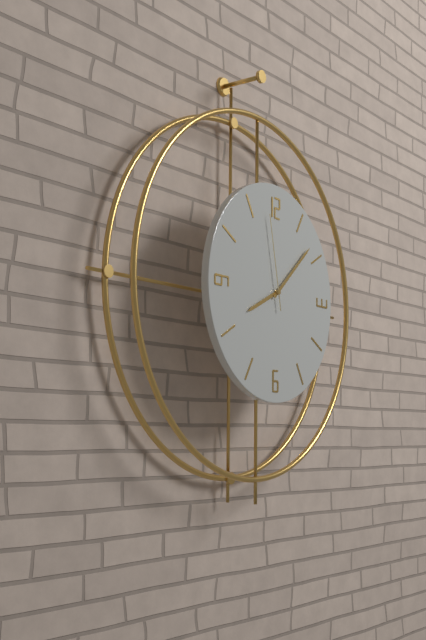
8h08m58s
